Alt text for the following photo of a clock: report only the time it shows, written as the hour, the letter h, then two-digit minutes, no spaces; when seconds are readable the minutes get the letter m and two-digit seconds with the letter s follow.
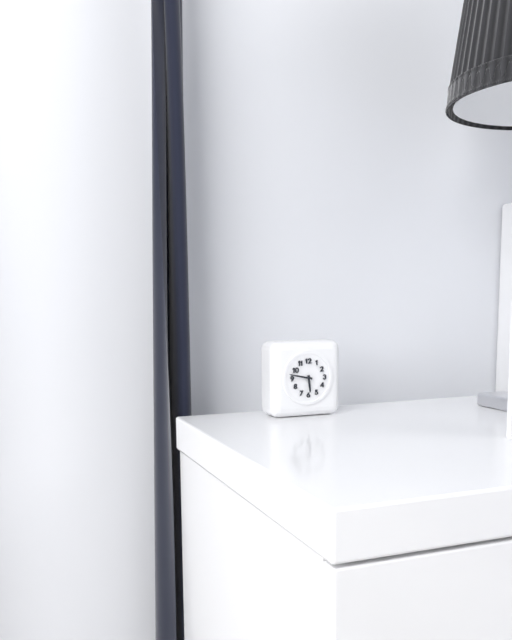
5h47
